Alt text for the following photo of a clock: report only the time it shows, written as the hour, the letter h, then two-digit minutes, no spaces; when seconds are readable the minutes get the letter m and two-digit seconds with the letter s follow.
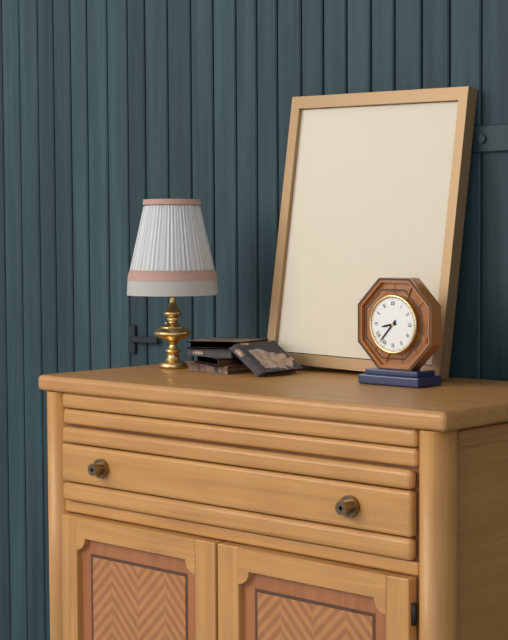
8h37
